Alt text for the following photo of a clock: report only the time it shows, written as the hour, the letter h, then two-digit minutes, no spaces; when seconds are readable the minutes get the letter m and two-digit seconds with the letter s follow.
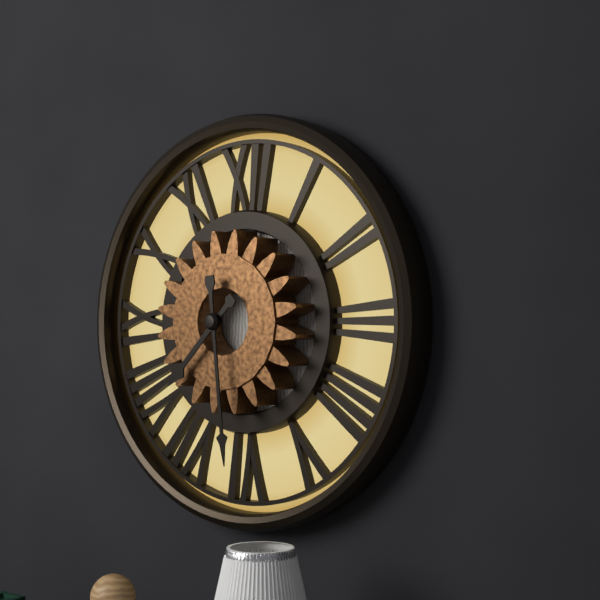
7h29
